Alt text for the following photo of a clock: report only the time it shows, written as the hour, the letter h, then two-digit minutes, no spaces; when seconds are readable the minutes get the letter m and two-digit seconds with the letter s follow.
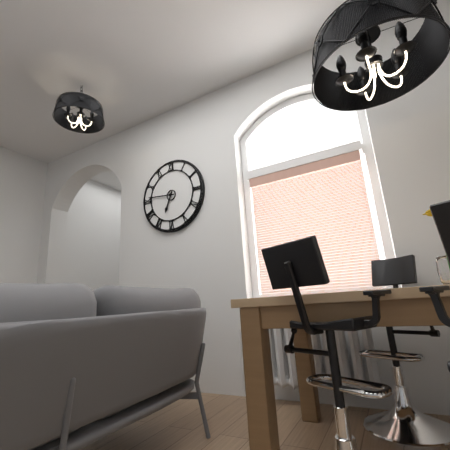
6h46
